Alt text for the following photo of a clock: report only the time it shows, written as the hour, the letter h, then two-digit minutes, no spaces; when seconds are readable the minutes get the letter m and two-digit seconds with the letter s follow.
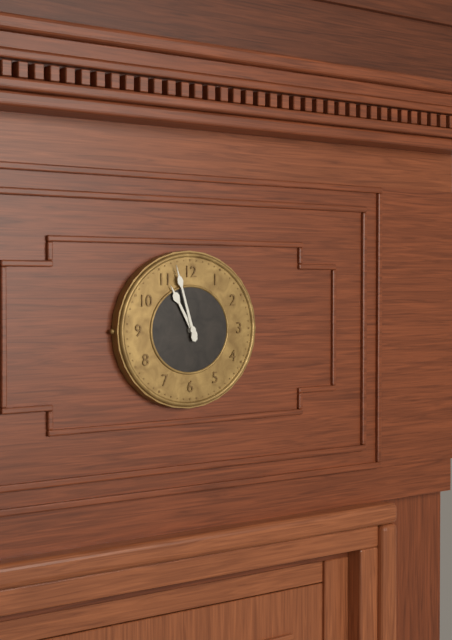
10h57
